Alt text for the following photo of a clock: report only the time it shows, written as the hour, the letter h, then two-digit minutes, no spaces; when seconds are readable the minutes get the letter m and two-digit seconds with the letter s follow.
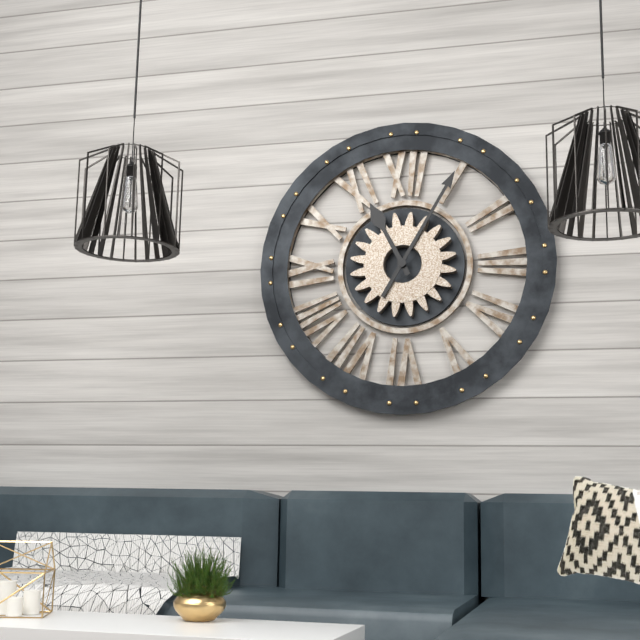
11h05
